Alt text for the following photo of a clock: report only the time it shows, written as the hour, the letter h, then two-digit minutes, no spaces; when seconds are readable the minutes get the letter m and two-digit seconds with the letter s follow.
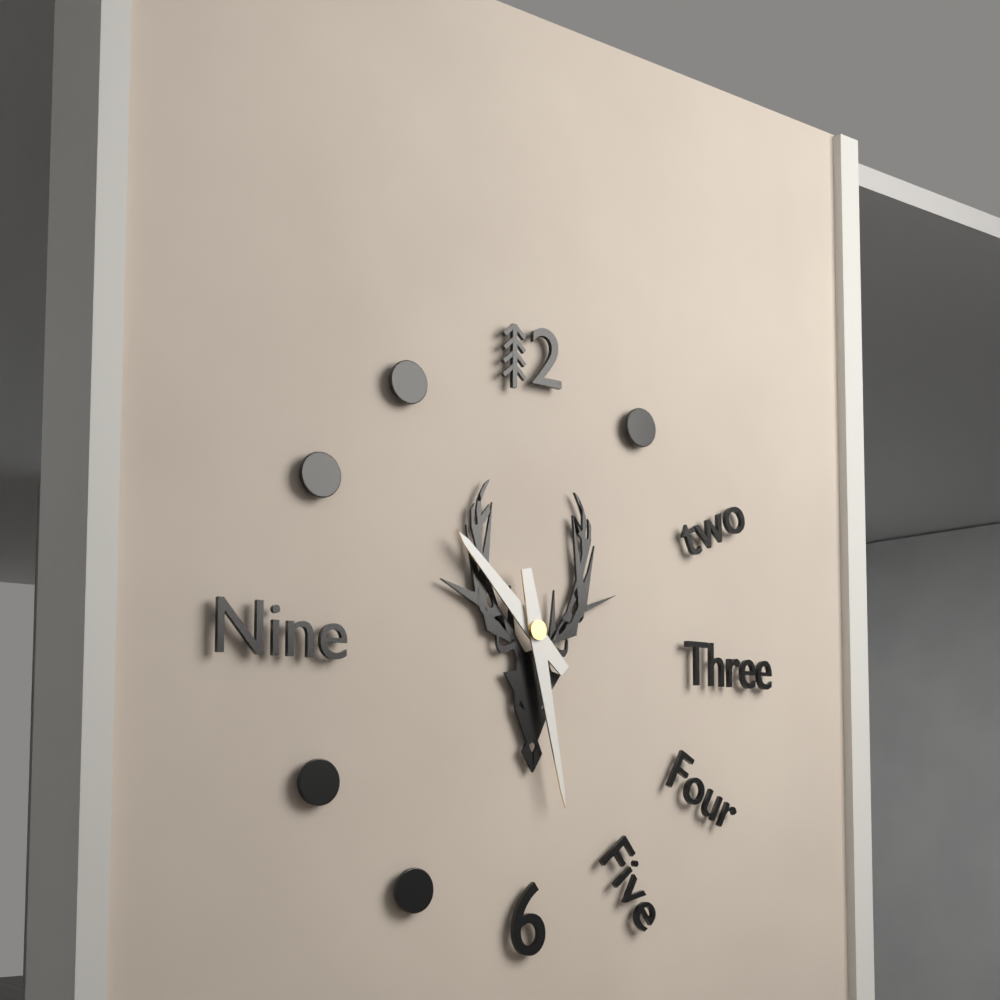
10h28
